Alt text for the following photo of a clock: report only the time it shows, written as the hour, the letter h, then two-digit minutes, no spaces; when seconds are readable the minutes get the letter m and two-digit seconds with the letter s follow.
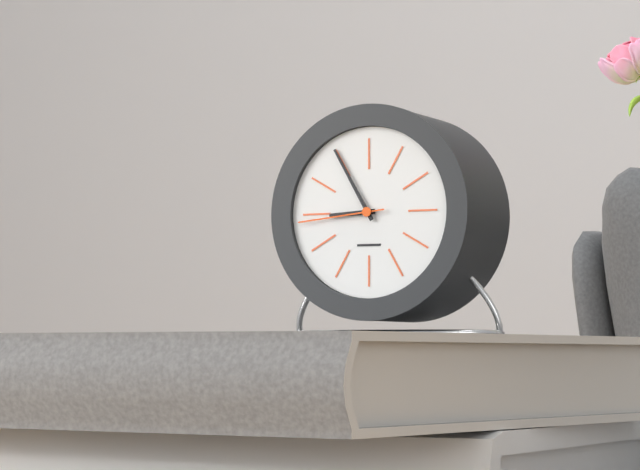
8h55m44s
